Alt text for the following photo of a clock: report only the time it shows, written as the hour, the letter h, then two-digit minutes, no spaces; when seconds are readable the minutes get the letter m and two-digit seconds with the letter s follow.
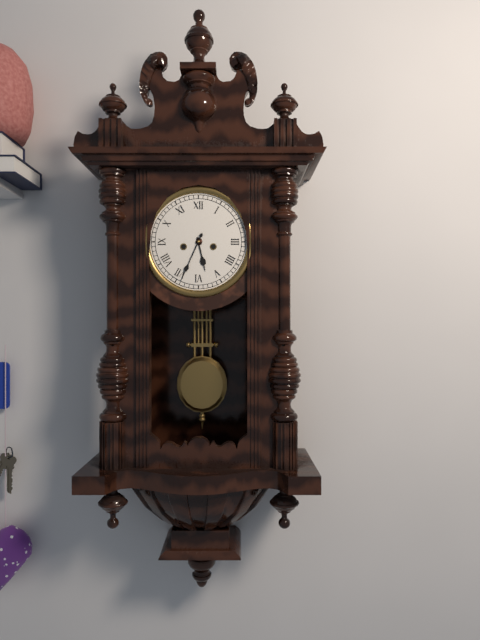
5h34
